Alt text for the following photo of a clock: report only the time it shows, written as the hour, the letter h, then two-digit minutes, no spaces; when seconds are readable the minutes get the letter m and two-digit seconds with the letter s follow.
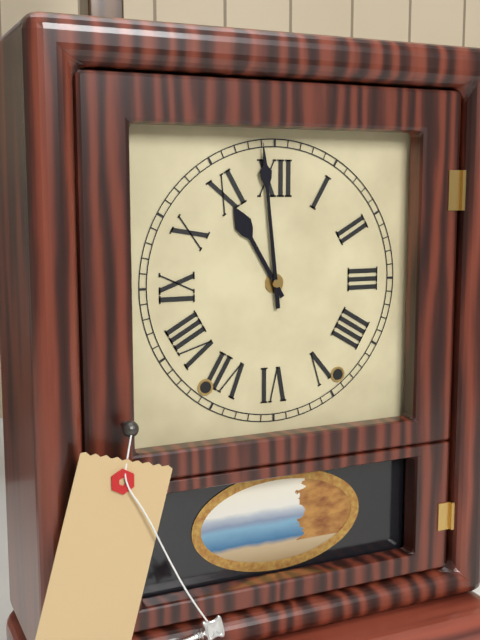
10h59
